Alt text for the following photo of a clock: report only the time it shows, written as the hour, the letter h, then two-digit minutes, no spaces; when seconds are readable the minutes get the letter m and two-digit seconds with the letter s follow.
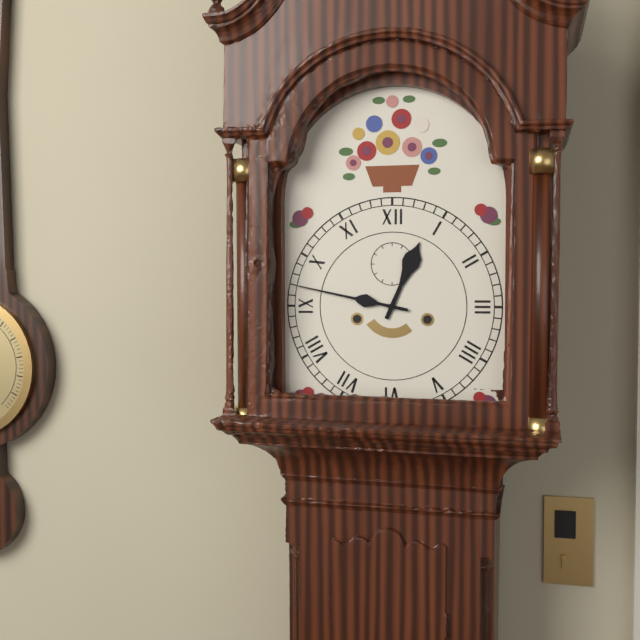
12h47
